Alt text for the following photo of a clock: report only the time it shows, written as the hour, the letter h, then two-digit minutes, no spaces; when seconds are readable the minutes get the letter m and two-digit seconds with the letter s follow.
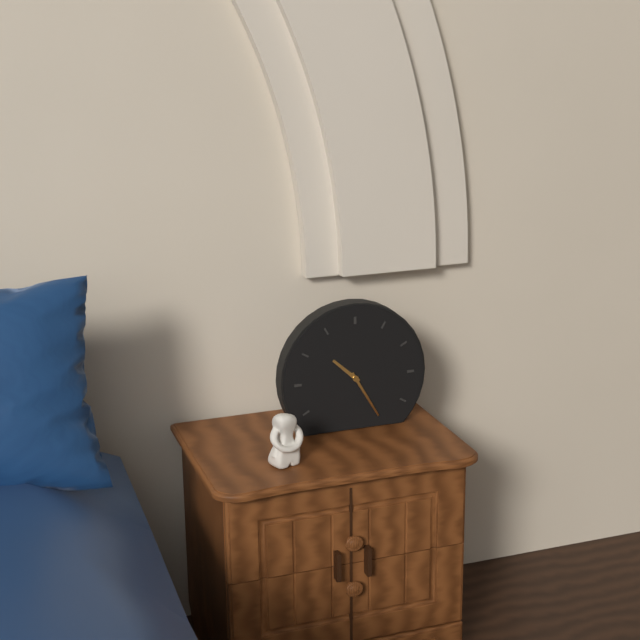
10h25
